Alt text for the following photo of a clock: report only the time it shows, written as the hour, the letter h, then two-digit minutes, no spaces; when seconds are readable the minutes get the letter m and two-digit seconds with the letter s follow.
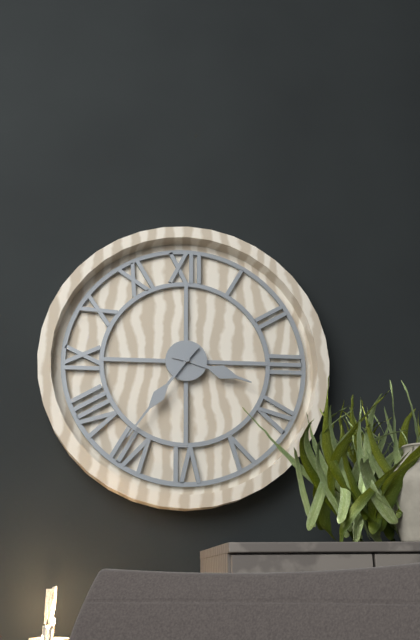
3h36
